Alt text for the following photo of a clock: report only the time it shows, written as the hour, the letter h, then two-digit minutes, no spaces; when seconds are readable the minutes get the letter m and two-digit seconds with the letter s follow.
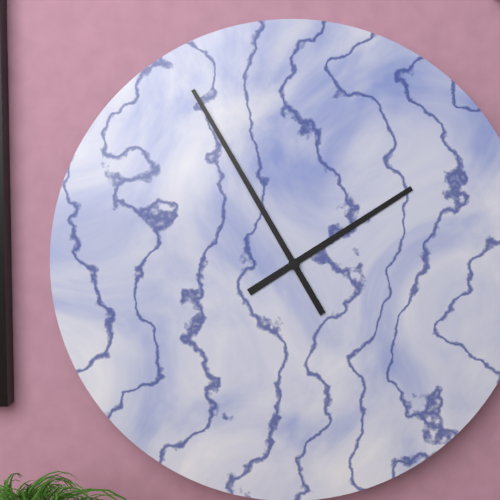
1h55
